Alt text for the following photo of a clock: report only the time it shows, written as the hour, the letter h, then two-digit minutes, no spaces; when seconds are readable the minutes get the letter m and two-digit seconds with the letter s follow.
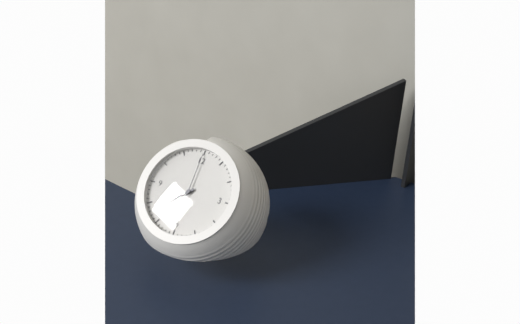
7h38m00s
